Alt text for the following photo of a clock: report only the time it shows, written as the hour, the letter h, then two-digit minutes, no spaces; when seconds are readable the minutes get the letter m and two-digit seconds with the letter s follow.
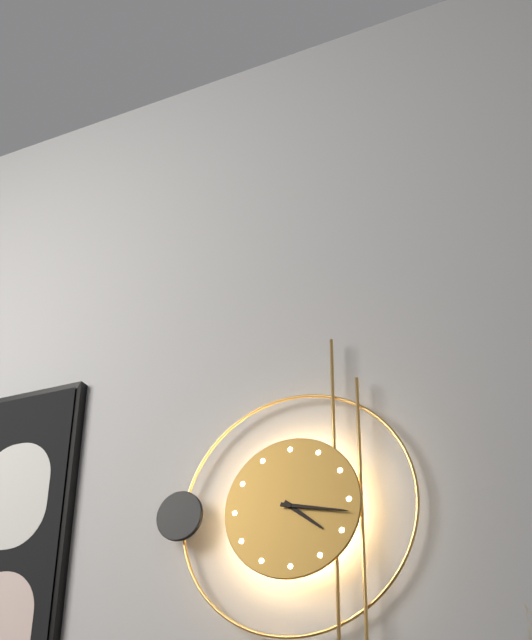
4h17
